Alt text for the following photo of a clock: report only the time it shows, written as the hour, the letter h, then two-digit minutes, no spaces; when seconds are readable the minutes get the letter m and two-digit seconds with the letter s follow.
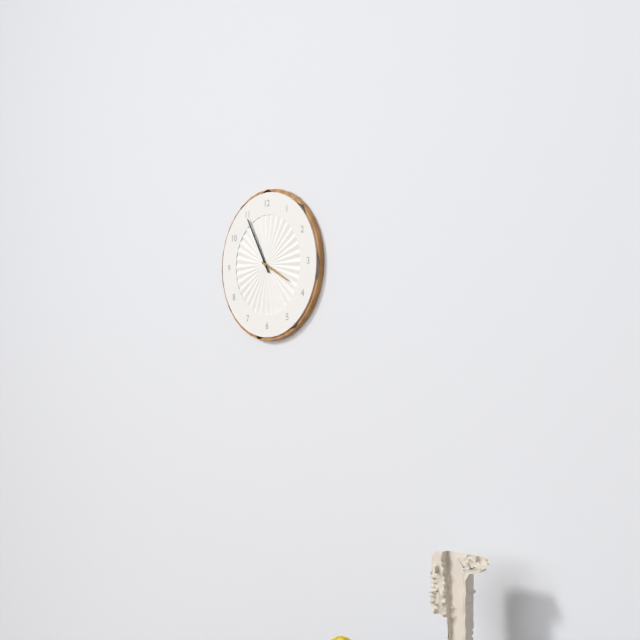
3h55
